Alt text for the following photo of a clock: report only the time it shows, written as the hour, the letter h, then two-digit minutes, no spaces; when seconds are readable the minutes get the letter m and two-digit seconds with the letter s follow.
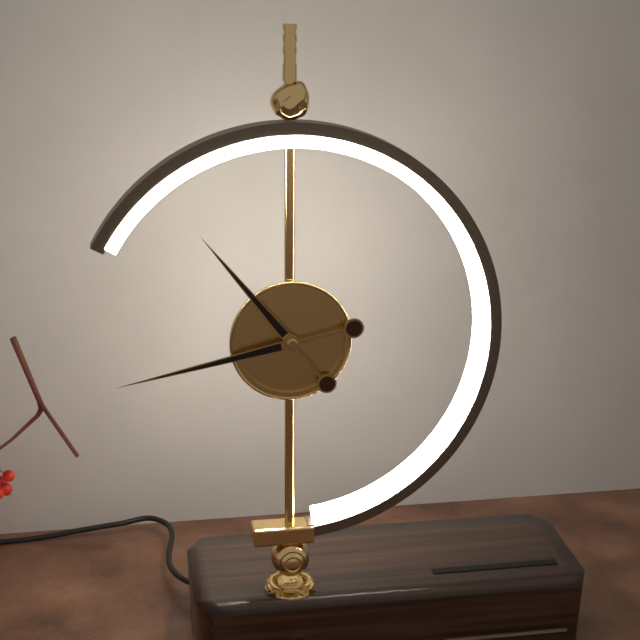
10h43
